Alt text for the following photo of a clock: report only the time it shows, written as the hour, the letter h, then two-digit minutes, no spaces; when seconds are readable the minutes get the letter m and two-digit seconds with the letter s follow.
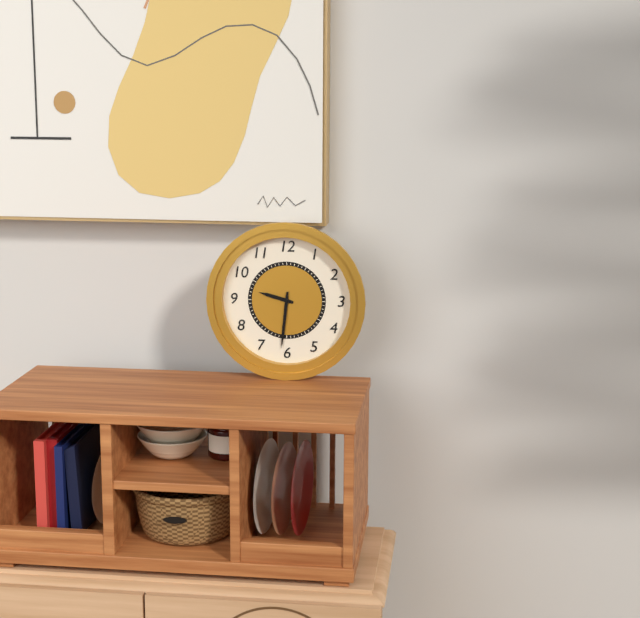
9h31
